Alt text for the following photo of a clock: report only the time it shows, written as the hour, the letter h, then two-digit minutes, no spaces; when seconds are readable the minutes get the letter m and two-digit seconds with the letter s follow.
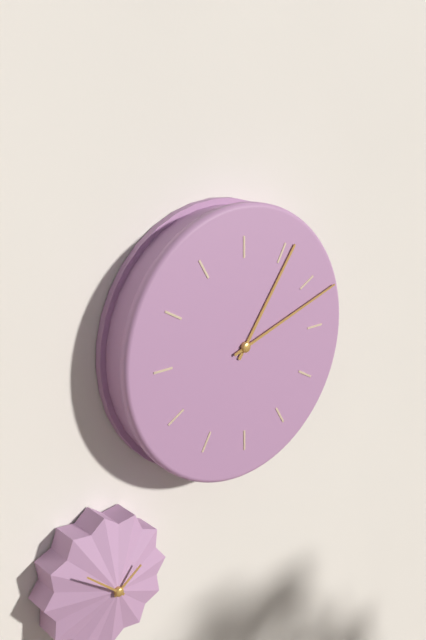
1h12
